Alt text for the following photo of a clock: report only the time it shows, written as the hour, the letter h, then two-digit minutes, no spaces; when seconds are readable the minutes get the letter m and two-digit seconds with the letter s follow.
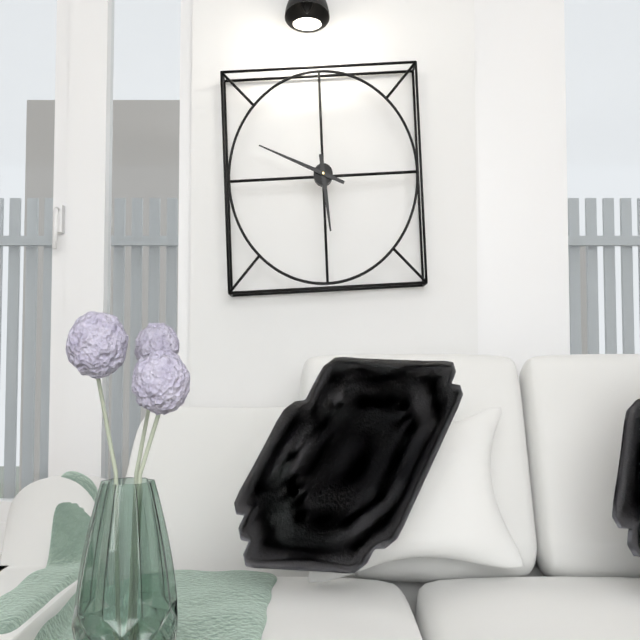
5h49
